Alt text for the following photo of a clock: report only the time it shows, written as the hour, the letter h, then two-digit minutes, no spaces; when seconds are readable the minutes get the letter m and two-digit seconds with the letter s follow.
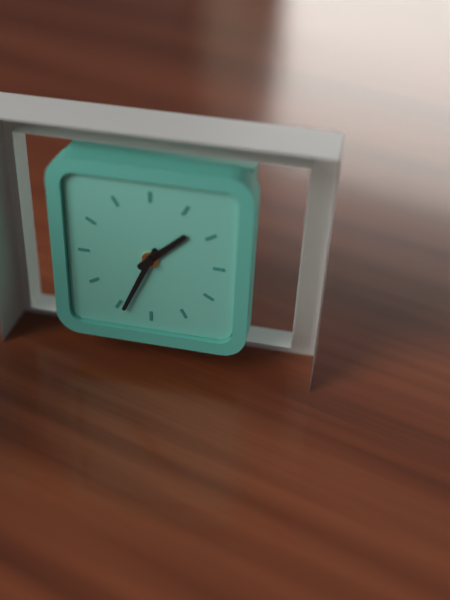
1h34
